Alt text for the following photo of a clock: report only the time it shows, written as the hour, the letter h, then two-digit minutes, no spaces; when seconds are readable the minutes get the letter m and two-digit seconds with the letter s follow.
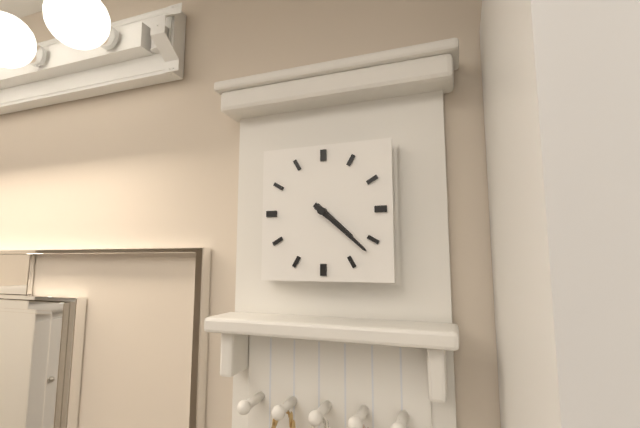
4h22
